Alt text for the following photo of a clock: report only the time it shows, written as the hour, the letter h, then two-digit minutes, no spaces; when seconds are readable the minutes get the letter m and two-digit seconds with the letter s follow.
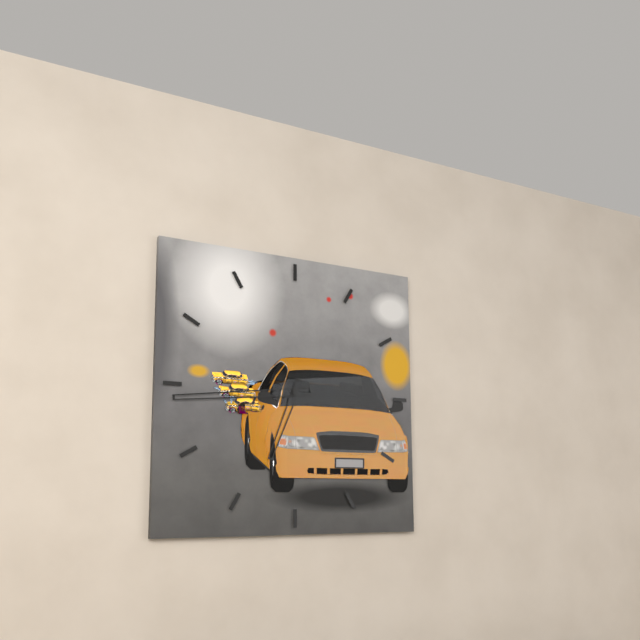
6h44
